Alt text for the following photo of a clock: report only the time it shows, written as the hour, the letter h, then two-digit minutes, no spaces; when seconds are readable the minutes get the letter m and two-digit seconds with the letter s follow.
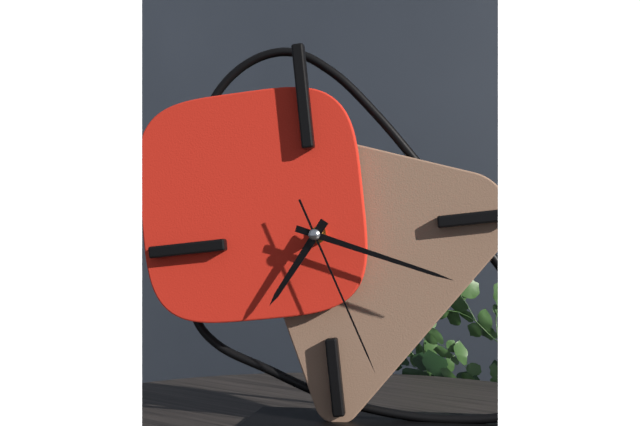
7h19m27s
